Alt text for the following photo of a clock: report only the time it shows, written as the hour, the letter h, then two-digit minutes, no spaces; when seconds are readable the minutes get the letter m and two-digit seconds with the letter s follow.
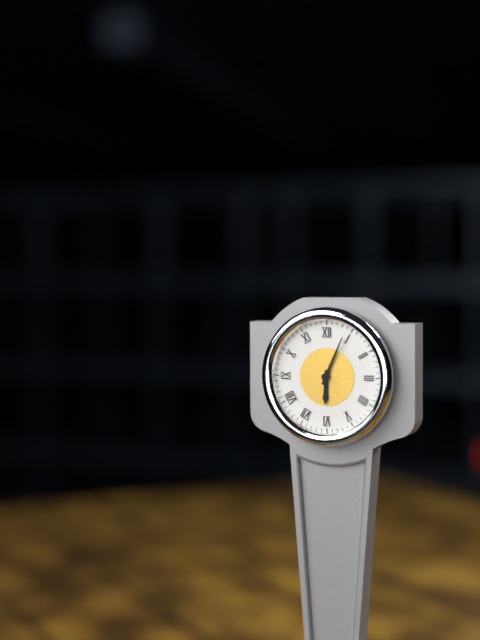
6h04
